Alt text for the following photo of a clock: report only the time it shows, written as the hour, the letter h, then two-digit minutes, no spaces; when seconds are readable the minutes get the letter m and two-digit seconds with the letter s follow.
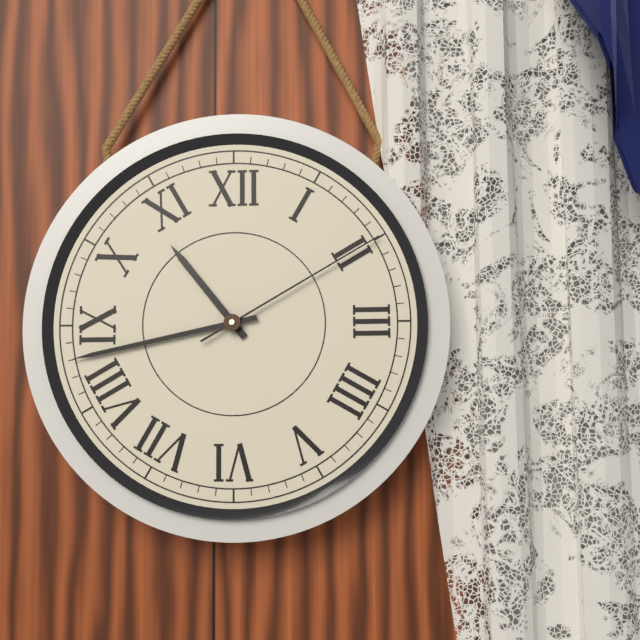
10h43m10s
